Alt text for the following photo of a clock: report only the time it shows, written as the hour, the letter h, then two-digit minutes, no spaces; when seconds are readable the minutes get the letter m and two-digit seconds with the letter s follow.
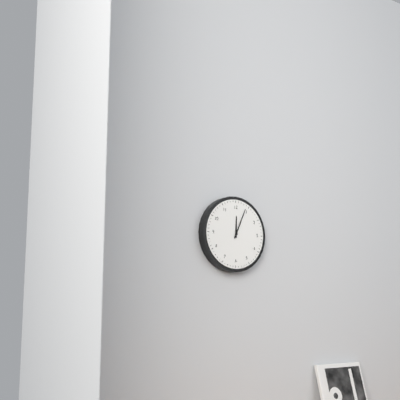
12h04
